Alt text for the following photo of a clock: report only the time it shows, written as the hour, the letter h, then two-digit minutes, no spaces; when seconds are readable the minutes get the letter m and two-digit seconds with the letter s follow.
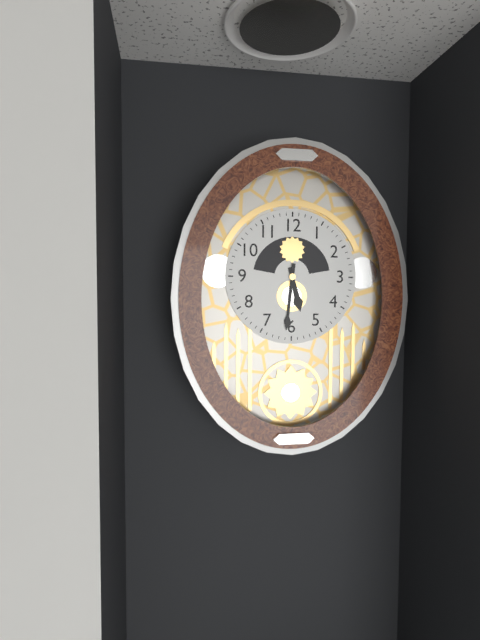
5h31
